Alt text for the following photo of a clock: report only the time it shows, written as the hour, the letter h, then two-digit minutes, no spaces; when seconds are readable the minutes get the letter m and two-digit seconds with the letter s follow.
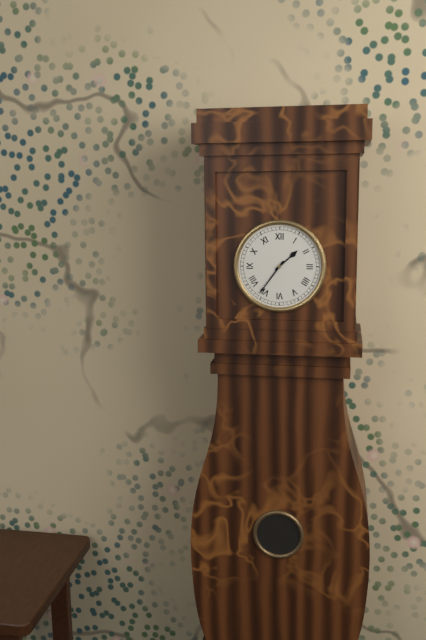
1h36
